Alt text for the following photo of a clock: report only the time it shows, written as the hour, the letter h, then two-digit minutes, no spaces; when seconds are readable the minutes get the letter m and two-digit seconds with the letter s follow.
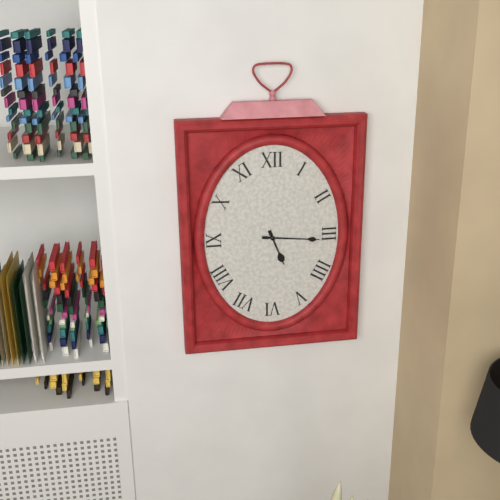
5h16
